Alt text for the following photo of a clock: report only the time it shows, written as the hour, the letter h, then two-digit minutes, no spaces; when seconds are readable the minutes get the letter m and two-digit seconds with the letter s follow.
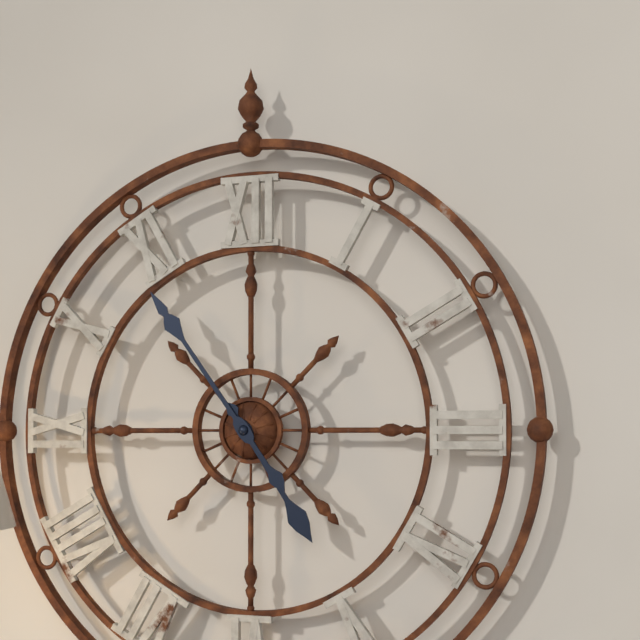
4h54
